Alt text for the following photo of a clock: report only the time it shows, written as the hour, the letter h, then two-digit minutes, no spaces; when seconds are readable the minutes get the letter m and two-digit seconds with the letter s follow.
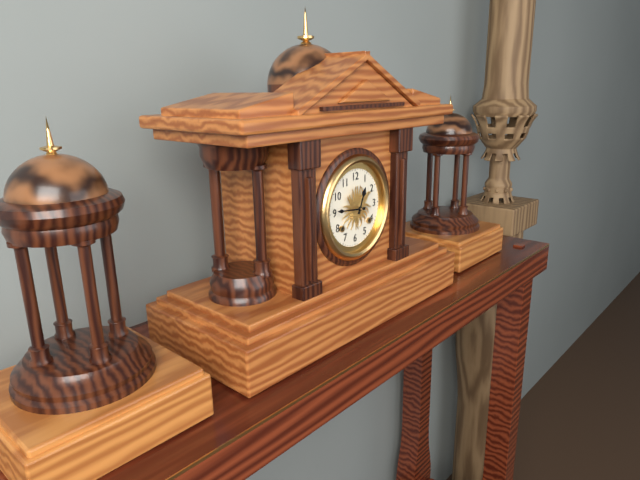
12h46
